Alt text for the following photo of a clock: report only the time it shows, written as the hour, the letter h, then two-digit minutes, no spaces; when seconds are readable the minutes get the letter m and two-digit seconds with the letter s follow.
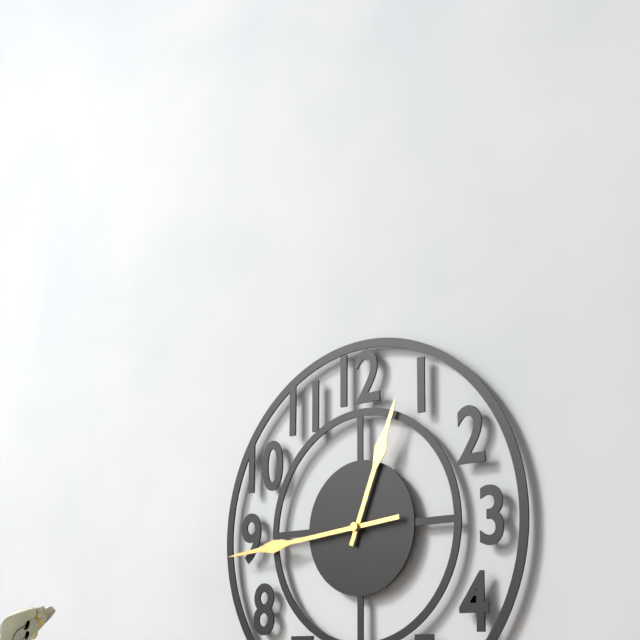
12h44
